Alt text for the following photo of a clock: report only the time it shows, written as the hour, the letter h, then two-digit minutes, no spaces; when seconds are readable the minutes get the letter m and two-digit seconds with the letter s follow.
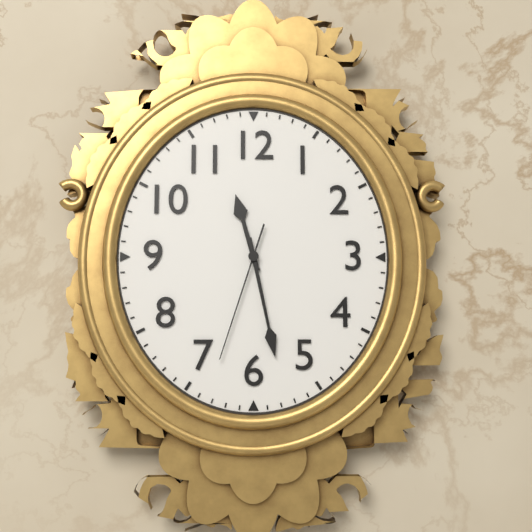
11h28m33s
